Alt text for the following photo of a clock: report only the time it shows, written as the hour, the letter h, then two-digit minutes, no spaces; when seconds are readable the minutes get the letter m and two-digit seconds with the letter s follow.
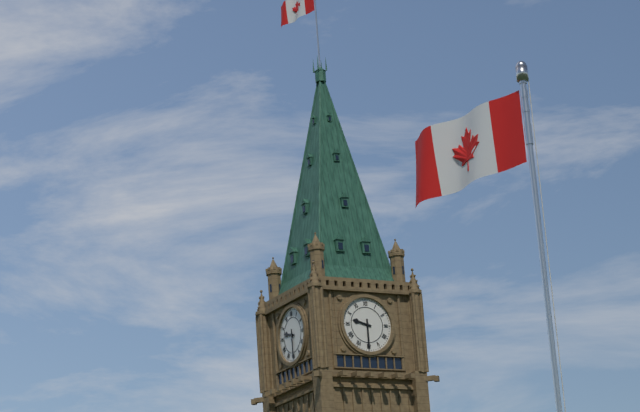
9h30
